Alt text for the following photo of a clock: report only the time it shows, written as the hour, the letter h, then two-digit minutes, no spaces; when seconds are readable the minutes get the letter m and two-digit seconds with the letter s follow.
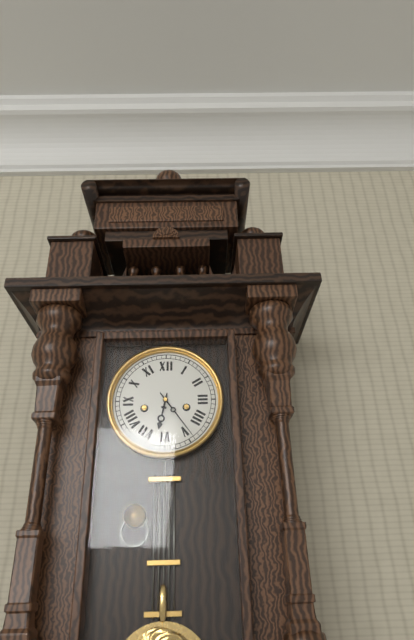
6h24
